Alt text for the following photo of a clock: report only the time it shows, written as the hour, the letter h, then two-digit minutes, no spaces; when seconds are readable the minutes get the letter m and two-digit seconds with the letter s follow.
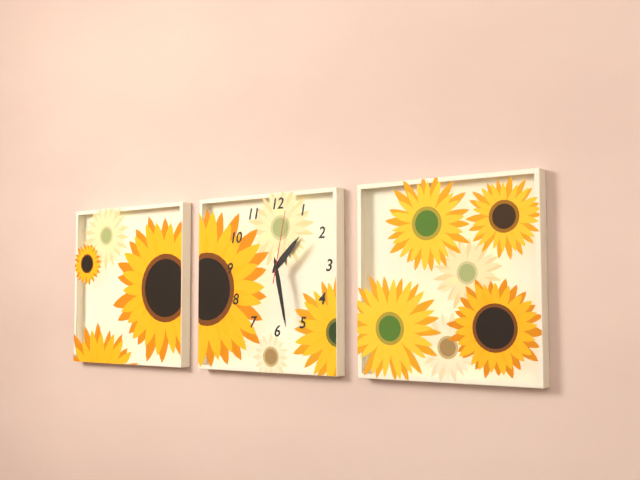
1h28m02s
